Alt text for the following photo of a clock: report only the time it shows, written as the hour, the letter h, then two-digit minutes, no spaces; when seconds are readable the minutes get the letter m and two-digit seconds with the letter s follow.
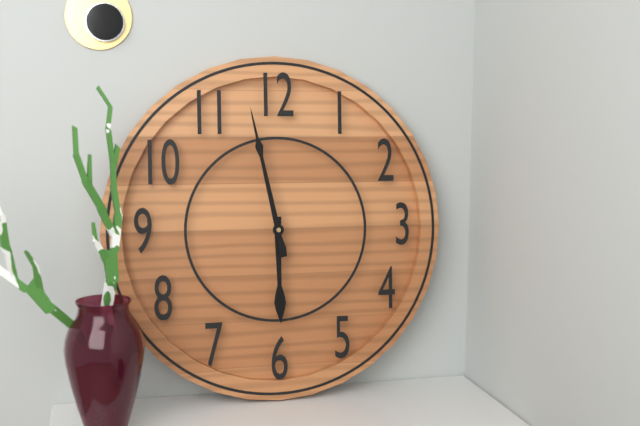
5h58
